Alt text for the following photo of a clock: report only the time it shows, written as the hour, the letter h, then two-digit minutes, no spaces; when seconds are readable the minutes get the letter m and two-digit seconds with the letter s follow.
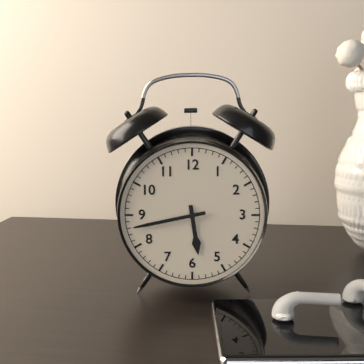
5h43
